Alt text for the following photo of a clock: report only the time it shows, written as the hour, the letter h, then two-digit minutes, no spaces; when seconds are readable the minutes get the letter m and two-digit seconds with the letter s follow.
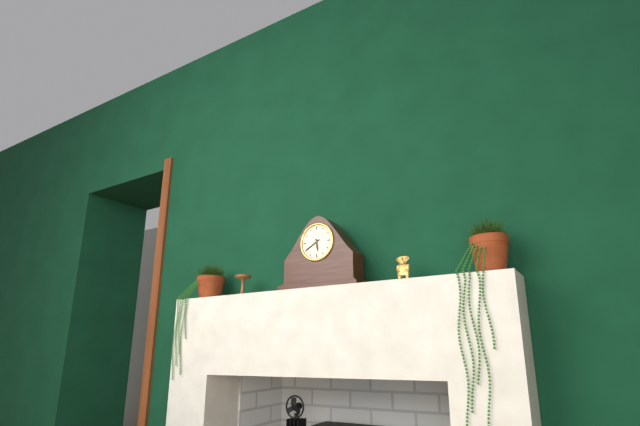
5h40
